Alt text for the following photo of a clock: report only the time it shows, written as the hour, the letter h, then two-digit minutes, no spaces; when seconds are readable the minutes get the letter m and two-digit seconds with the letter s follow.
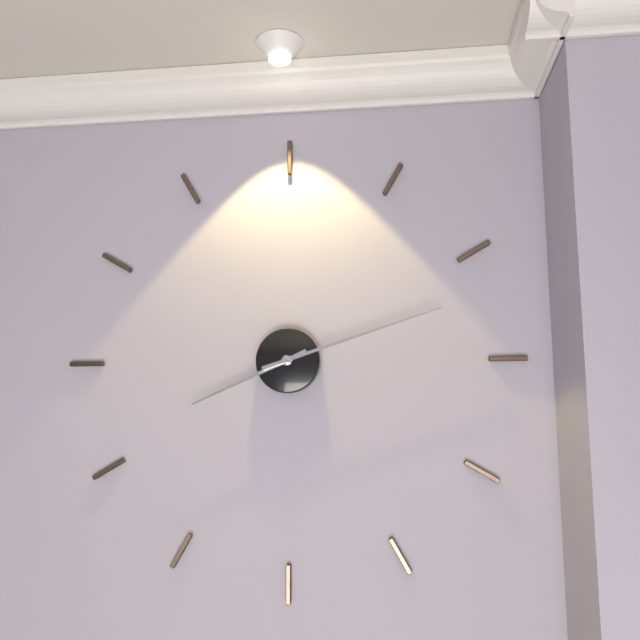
8h12
